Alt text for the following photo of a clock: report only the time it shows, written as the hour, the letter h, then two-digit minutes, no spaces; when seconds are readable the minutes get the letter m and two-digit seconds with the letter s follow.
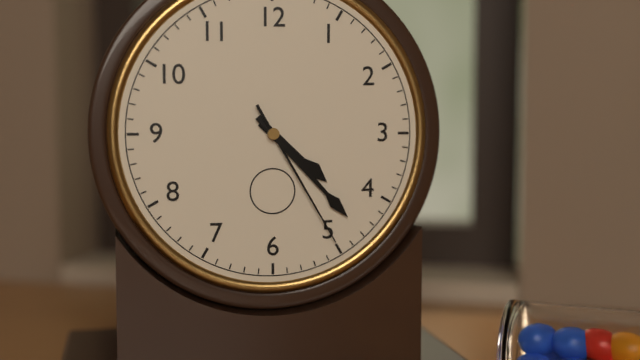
4h23m25s
